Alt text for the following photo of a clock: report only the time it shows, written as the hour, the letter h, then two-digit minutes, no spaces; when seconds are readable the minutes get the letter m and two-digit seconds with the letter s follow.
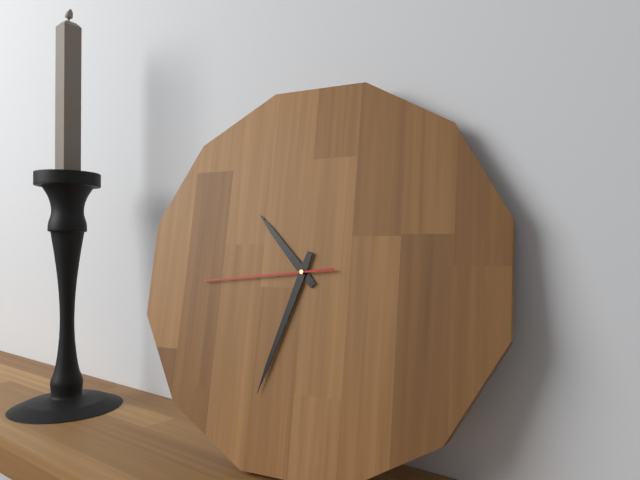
10h33m44s
